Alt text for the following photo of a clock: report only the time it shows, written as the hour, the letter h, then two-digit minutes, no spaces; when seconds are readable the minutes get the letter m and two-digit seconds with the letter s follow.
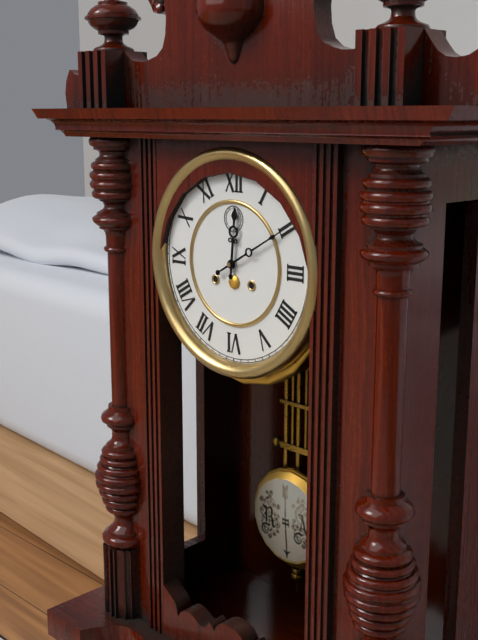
12h10
